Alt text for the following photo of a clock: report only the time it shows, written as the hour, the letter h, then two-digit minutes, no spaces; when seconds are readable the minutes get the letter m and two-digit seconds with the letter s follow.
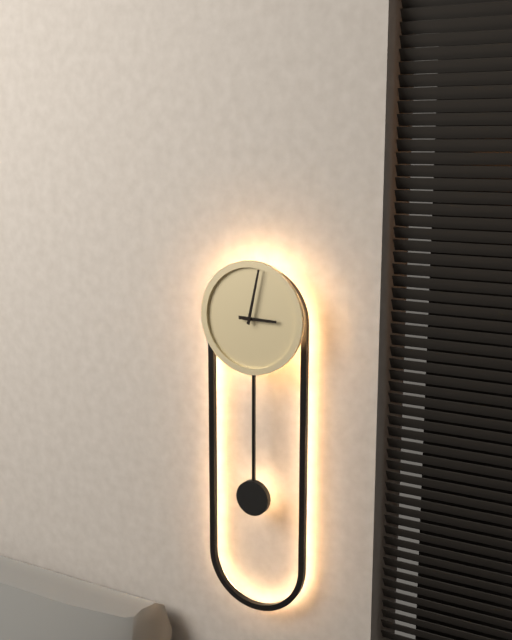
3h02
